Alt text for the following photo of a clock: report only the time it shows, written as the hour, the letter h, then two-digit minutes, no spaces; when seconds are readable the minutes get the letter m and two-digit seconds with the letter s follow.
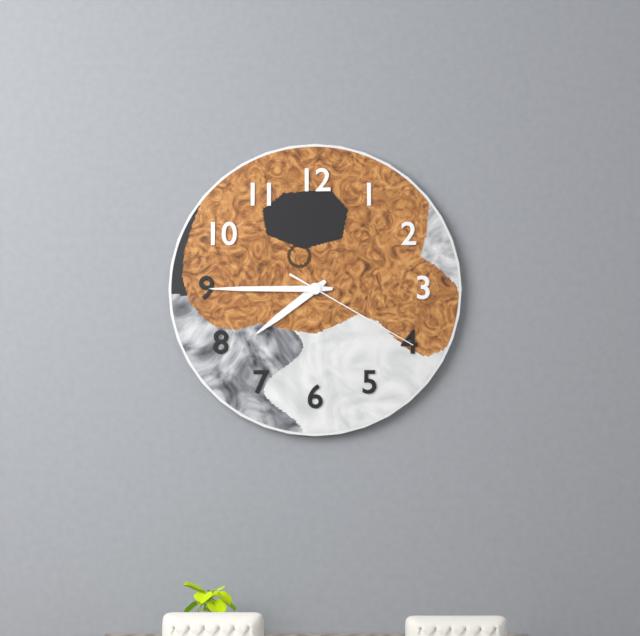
7h45m20s
